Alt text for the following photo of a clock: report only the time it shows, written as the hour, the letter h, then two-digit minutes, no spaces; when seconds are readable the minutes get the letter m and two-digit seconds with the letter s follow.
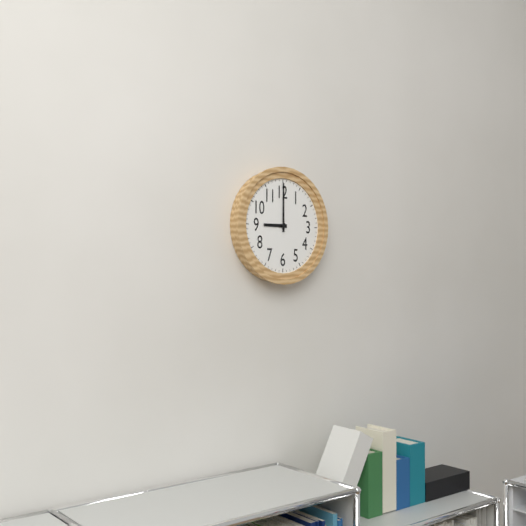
9h00
